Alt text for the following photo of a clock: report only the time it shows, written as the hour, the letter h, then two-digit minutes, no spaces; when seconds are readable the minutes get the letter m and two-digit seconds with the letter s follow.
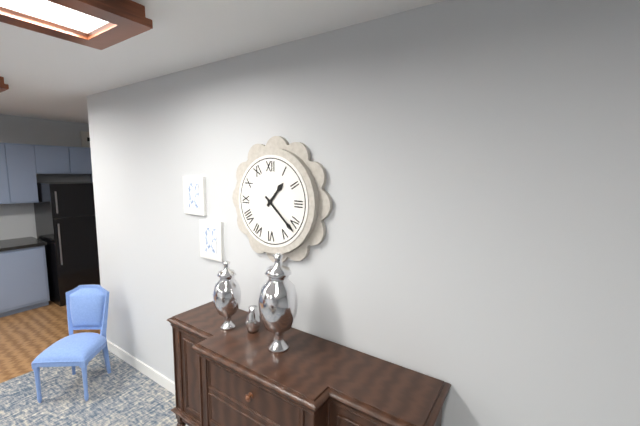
1h22
